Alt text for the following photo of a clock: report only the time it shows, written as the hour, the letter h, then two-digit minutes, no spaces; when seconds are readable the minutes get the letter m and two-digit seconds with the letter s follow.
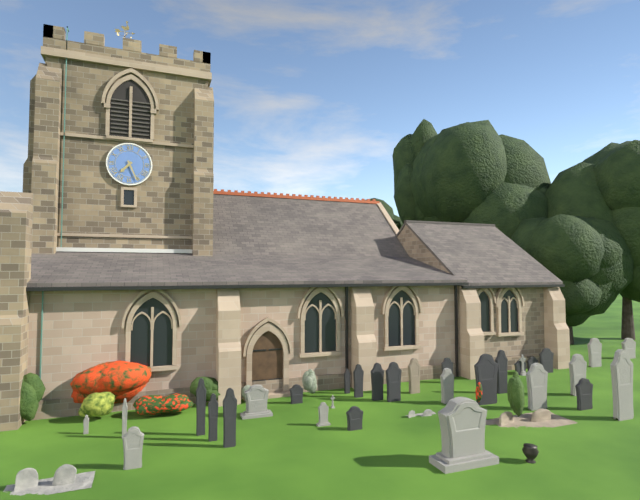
7h26
